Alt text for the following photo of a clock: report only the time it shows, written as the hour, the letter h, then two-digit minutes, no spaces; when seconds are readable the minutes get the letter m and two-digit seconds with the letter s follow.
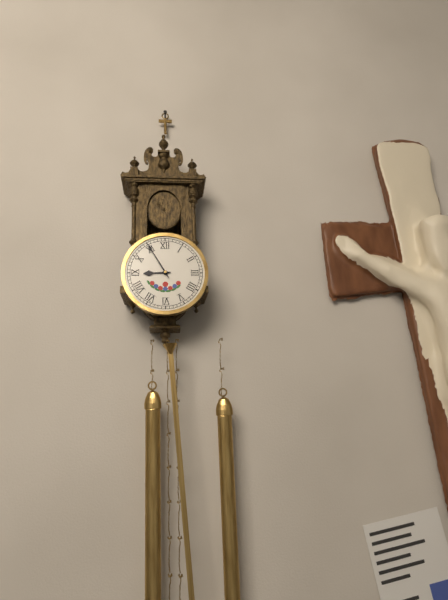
8h55
